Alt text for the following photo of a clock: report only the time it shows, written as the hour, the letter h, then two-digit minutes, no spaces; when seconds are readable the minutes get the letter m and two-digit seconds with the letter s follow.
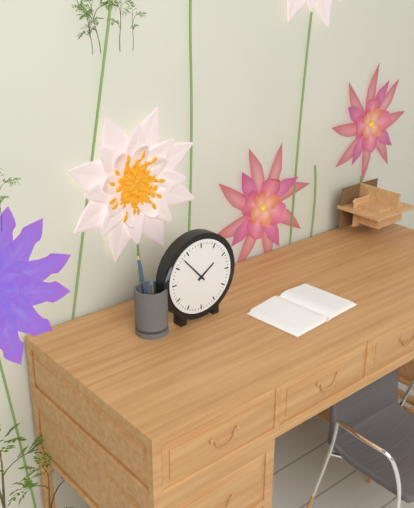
1h53
